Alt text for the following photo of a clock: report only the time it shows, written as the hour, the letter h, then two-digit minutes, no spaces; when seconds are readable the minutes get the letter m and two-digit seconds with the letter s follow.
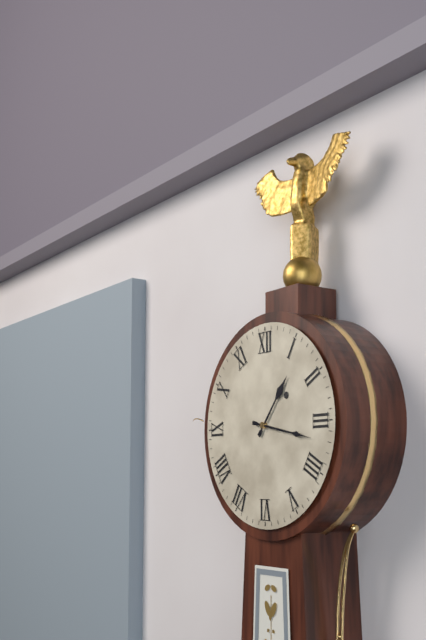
1h17
